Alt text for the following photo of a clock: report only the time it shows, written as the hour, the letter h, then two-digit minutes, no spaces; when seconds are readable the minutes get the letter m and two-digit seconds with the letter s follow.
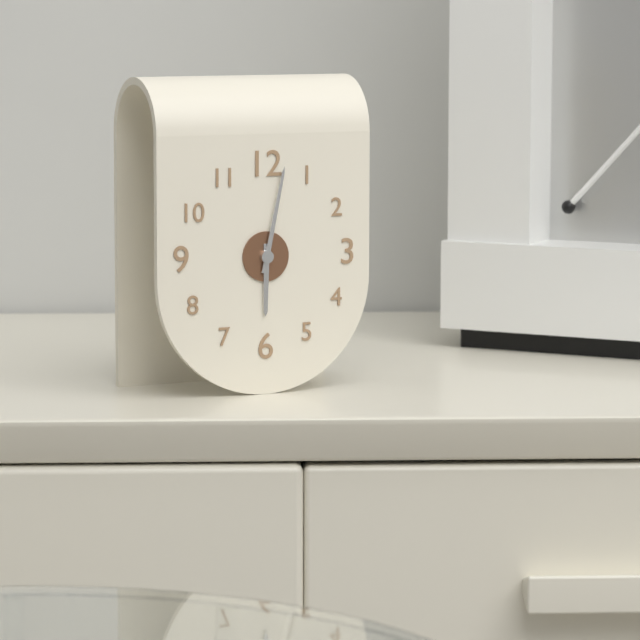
6h02
